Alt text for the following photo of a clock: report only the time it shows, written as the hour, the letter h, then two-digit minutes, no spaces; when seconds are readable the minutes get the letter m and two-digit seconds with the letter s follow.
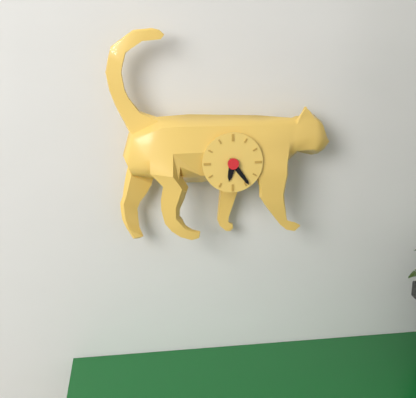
6h24
